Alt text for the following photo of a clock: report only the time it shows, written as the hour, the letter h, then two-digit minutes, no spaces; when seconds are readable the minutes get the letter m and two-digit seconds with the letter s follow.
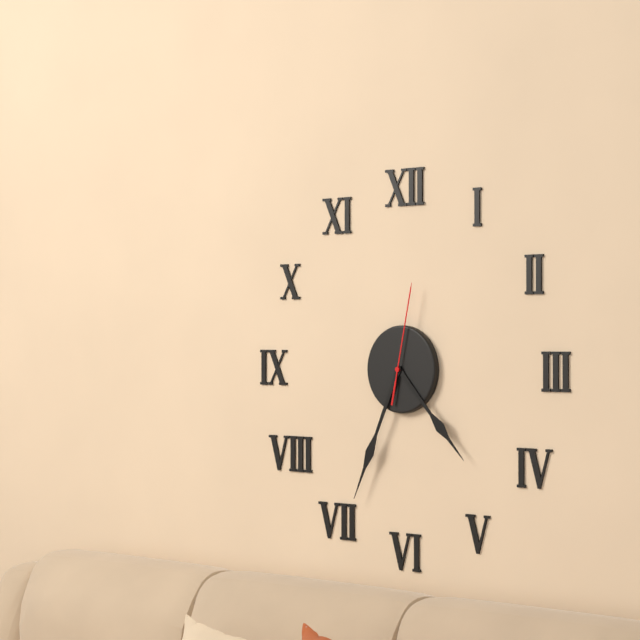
4h34m02s
